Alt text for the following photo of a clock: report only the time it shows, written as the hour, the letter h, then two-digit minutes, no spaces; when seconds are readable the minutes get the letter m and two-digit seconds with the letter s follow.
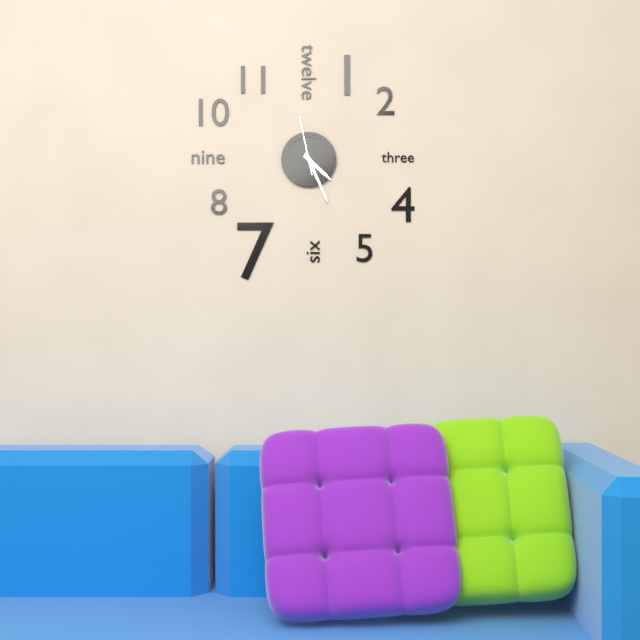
4h26m58s
